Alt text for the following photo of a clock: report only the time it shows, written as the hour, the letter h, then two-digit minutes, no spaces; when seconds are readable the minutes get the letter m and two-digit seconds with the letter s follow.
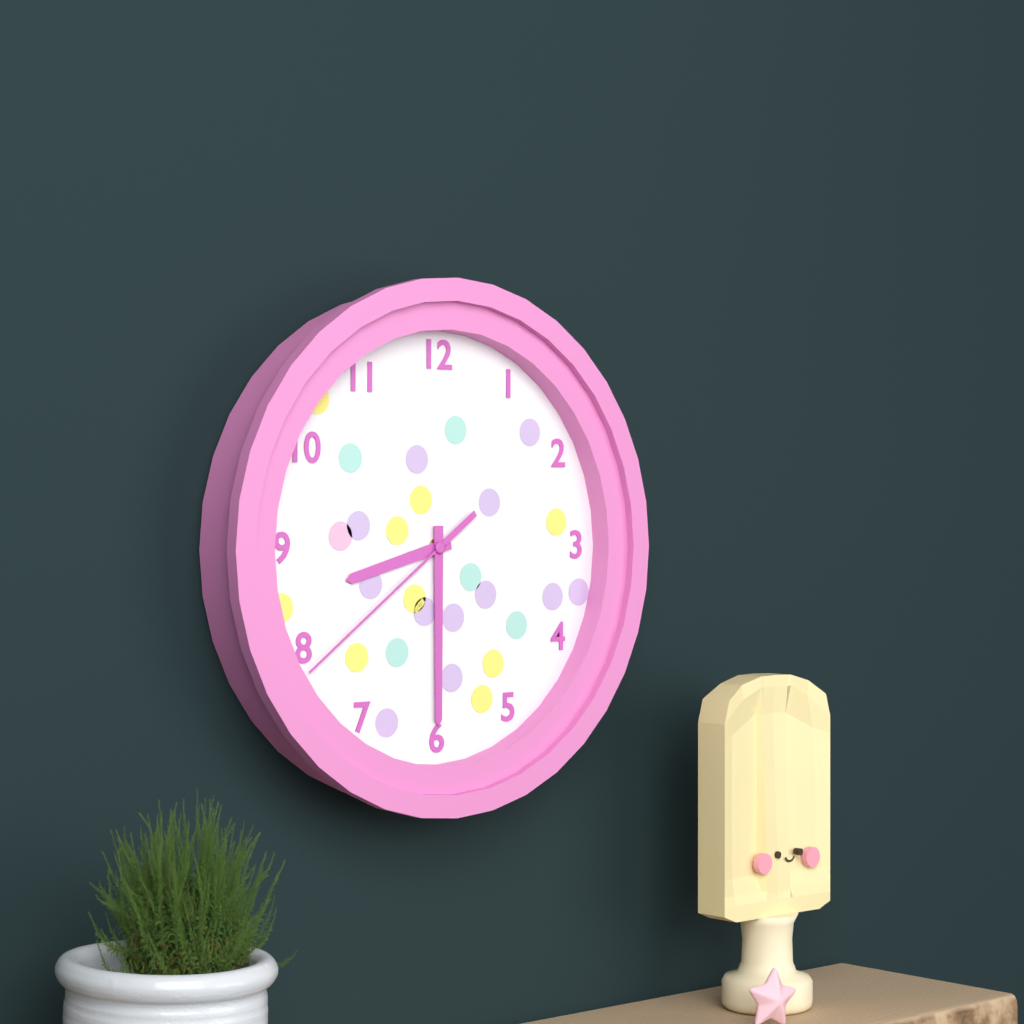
8h30m39s
